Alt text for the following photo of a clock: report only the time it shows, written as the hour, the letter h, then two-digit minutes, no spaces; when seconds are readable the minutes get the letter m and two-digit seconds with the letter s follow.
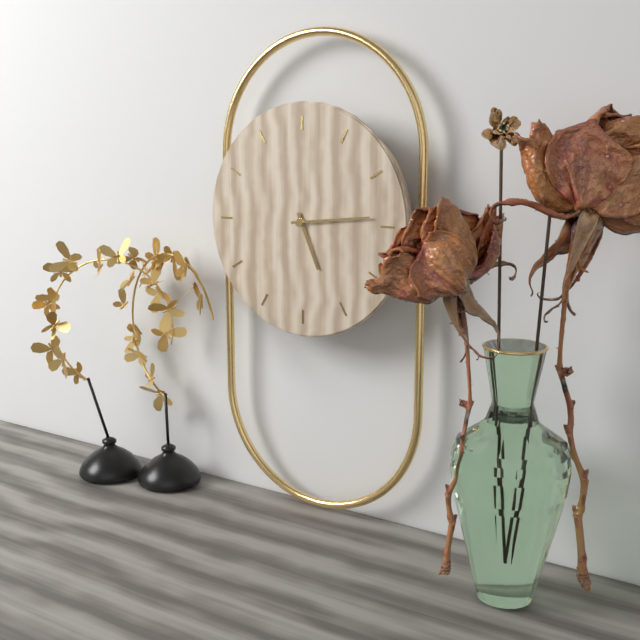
5h14
